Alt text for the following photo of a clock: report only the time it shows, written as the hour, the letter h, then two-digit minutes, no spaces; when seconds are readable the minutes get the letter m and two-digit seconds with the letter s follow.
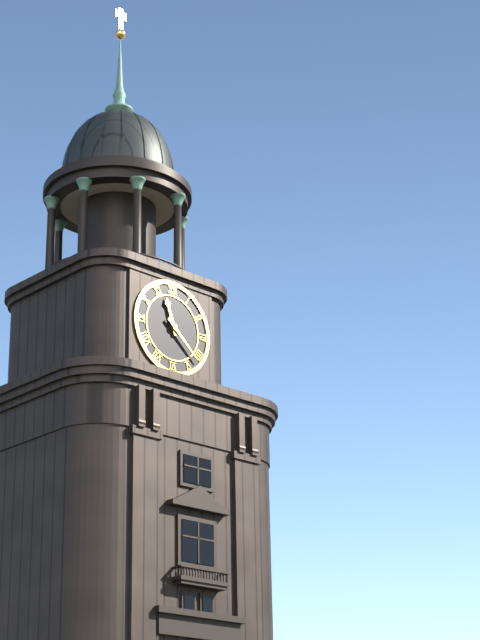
11h22
